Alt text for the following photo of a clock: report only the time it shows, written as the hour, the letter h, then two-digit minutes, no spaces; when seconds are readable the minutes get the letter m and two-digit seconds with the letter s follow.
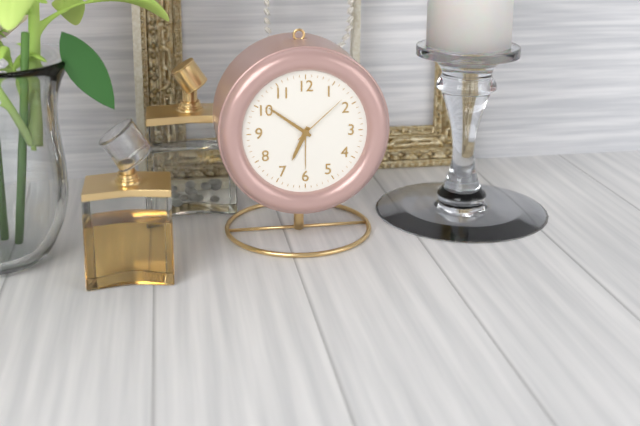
6h51m08s
